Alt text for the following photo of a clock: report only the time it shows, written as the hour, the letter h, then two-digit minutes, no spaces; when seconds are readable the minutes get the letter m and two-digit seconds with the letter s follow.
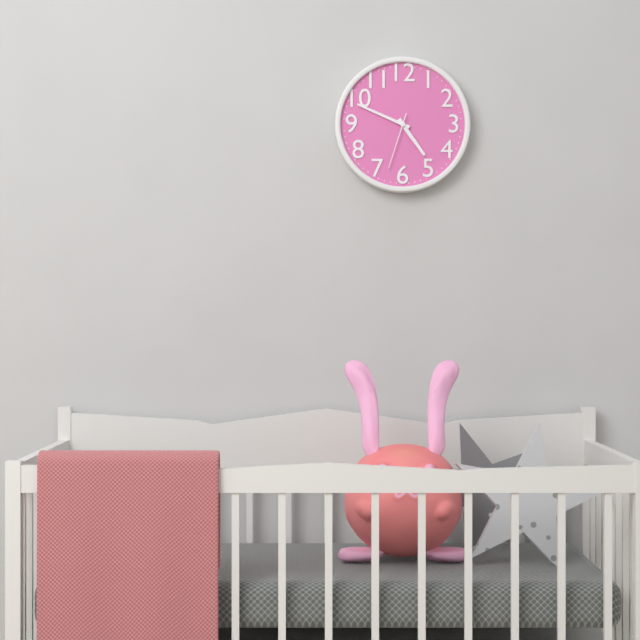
4h49m33s
